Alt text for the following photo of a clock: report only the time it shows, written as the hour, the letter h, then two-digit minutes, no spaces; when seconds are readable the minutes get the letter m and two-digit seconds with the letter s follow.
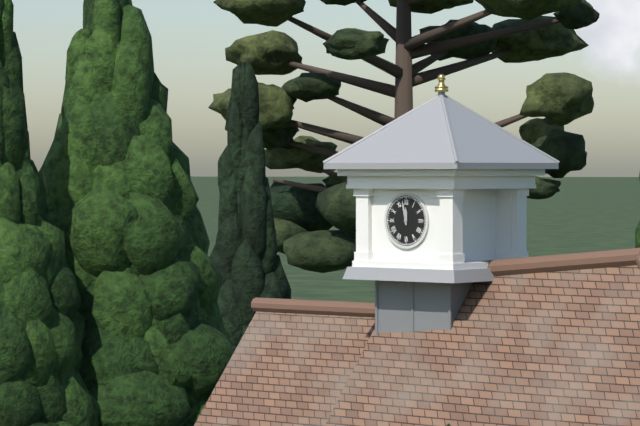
11h58
